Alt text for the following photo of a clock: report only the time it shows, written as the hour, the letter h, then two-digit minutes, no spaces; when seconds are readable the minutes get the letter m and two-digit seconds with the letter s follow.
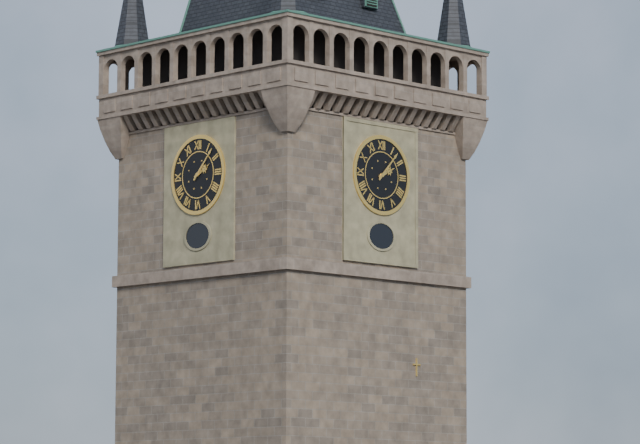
2h07
